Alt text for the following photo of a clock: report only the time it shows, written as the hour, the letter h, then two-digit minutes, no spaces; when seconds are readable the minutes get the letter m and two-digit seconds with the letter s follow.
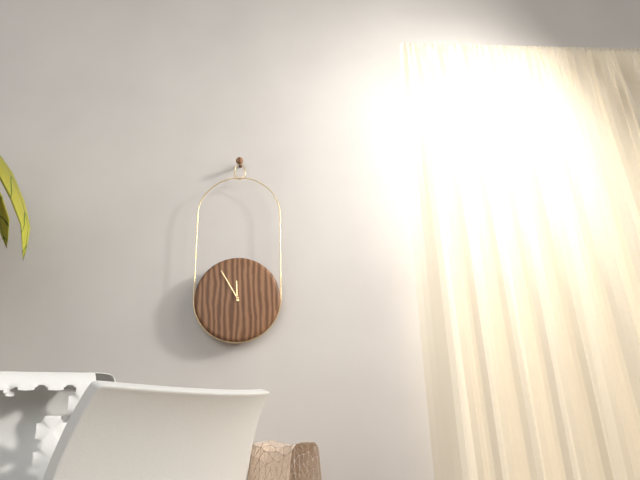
11h55
